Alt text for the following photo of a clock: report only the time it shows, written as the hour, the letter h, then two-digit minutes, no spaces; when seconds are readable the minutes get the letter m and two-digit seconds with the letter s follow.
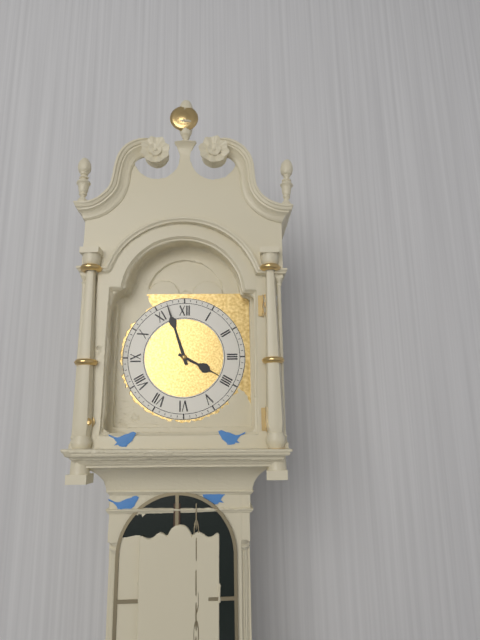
3h57
